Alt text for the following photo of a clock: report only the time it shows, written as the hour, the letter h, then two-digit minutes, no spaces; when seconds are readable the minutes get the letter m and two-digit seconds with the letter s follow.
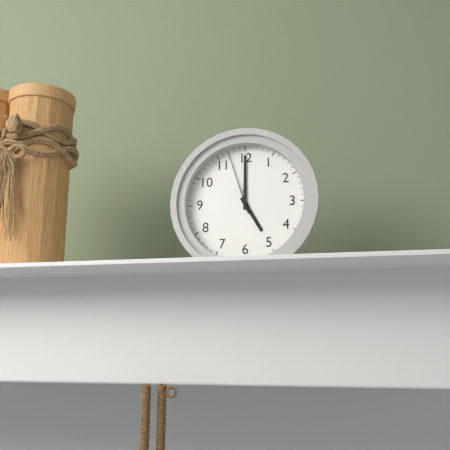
5h00m57s
